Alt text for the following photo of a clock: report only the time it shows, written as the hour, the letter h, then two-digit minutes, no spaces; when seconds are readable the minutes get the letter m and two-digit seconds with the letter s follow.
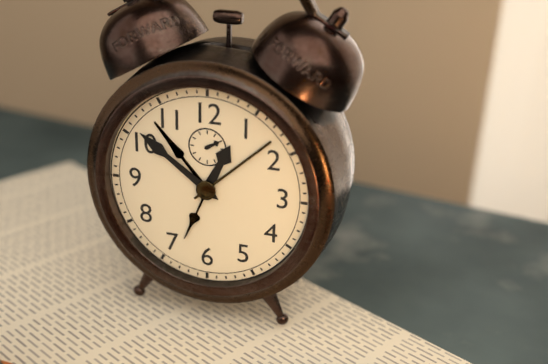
12h51
